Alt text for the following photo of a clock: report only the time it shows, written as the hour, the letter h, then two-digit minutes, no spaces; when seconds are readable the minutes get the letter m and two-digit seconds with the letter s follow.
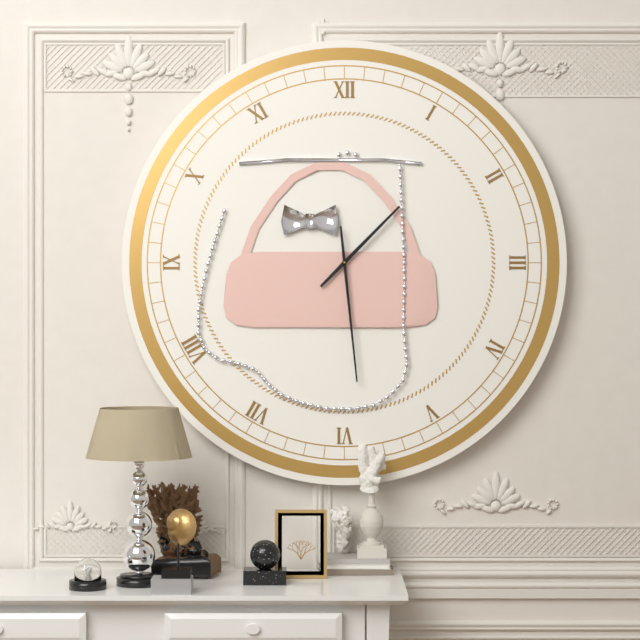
1h29
